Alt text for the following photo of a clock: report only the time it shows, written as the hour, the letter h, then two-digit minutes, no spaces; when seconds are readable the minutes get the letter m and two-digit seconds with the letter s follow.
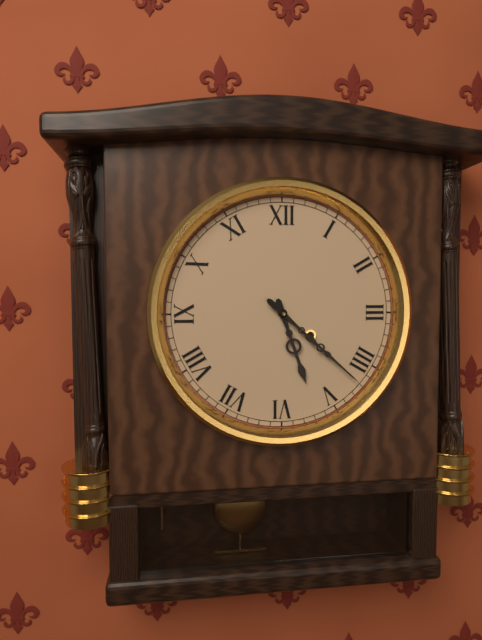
5h22
